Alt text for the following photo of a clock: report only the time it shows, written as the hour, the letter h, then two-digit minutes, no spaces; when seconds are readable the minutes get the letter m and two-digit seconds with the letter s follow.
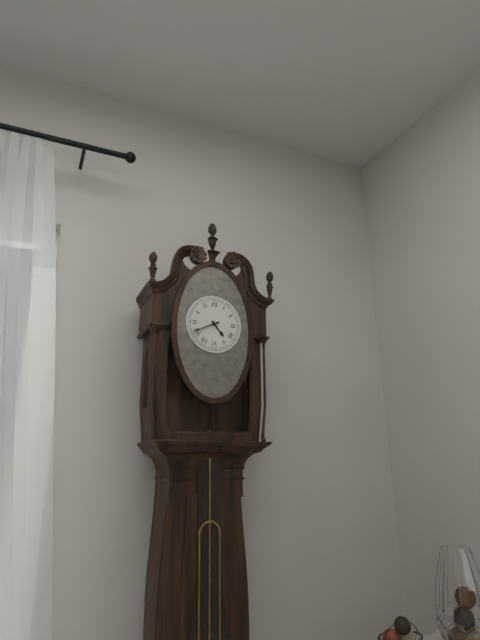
4h41
